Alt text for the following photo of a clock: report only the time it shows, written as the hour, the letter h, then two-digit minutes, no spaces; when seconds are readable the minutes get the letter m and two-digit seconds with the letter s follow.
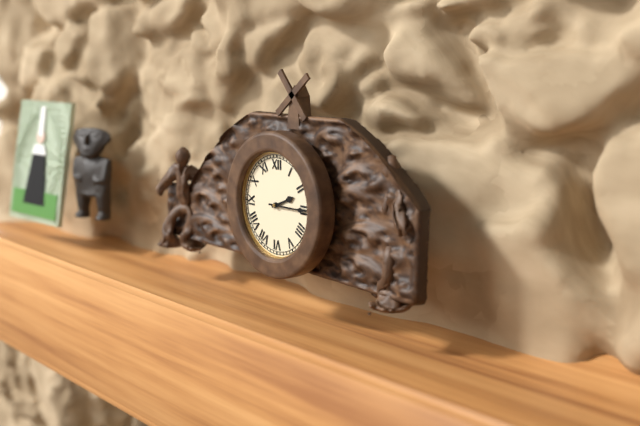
2h15
